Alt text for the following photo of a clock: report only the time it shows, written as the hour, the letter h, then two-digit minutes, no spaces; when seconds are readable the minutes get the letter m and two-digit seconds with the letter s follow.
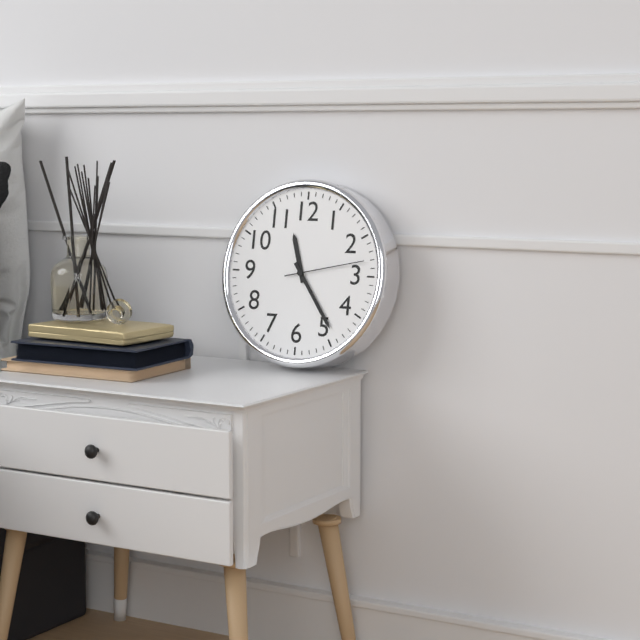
11h24m13s
